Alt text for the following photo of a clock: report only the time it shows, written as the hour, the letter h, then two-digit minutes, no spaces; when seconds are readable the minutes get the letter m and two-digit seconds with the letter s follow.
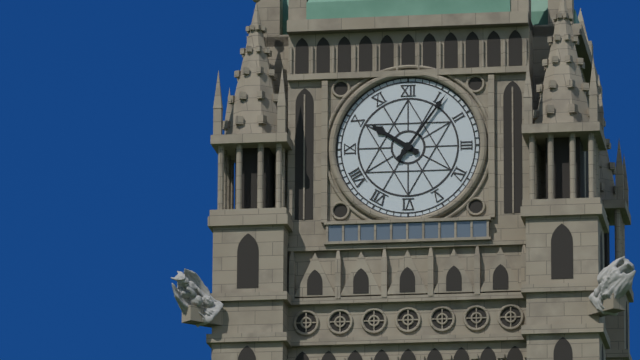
10h06
